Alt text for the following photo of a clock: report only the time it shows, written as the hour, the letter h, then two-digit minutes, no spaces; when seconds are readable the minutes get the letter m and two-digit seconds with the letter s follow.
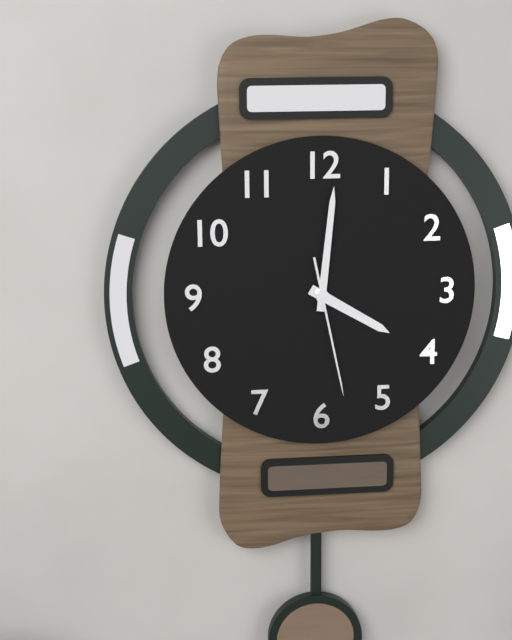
4h01m28s
